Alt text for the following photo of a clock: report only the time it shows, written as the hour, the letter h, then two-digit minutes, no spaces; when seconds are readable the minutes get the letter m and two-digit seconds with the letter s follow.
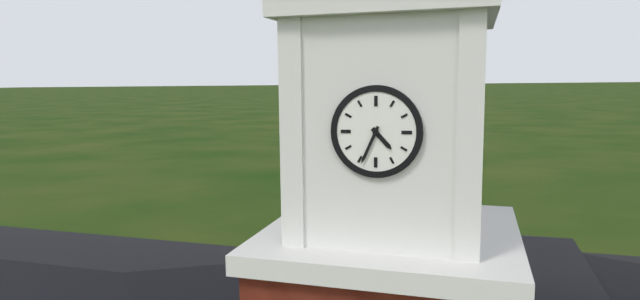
4h34
